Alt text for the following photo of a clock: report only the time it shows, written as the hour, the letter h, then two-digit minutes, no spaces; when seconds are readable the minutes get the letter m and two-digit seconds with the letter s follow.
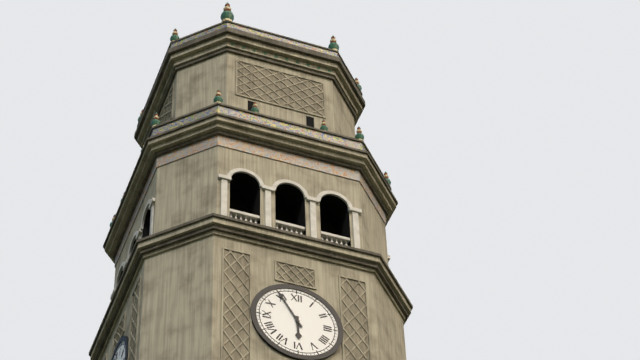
5h55
